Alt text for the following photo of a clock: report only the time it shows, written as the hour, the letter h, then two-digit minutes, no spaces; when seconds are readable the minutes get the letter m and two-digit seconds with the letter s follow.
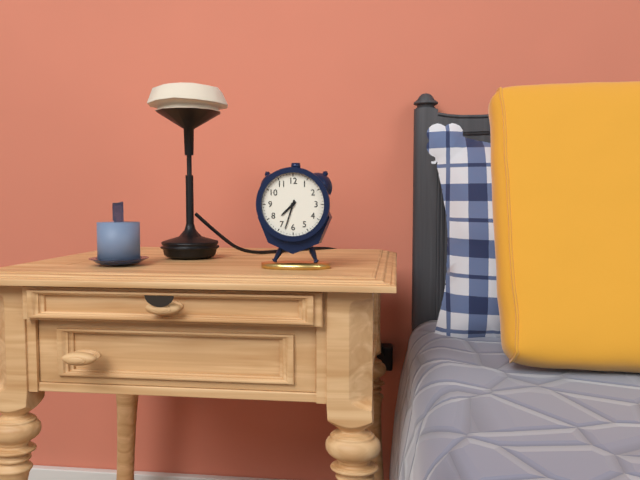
7h33
